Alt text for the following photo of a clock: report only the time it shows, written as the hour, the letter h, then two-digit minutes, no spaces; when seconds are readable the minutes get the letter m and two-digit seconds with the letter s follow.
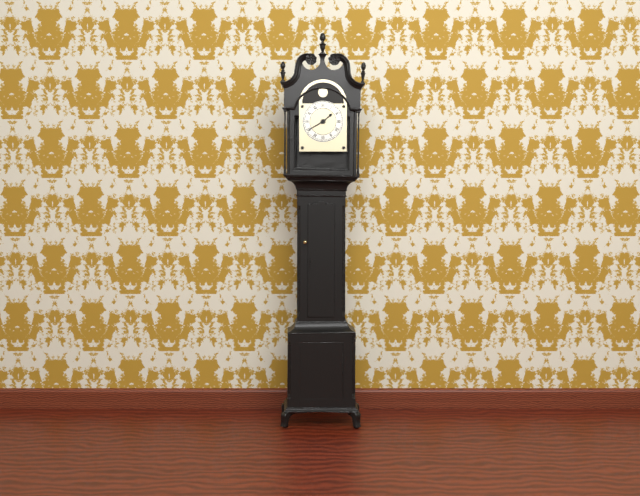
1h40
